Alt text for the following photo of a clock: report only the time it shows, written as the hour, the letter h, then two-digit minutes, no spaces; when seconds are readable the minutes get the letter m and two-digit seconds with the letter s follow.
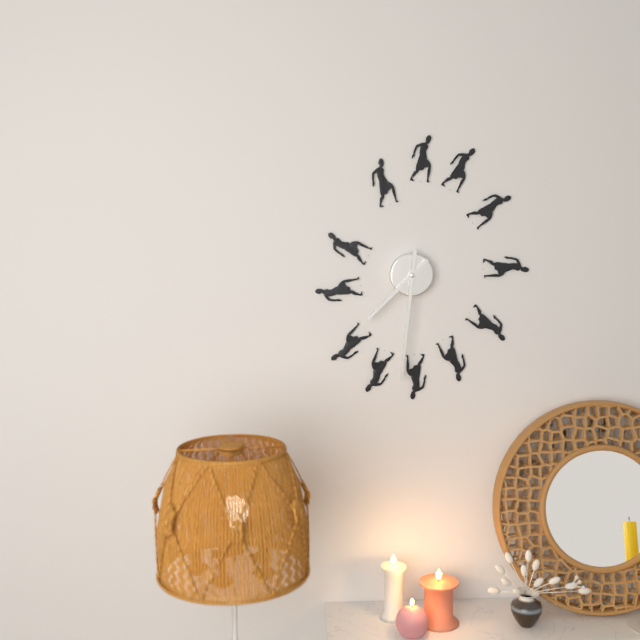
7h31
